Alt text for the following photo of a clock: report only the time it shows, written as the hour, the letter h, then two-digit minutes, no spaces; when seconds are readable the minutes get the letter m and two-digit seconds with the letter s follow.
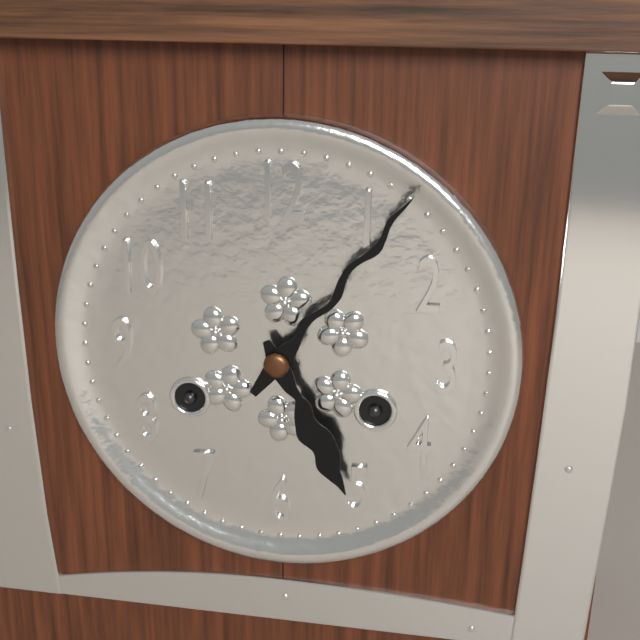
5h06
